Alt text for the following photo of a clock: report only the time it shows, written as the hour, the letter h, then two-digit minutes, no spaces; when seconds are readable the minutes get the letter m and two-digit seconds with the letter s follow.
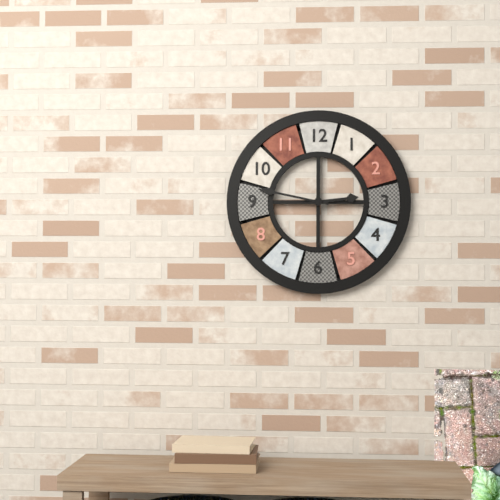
2h47
